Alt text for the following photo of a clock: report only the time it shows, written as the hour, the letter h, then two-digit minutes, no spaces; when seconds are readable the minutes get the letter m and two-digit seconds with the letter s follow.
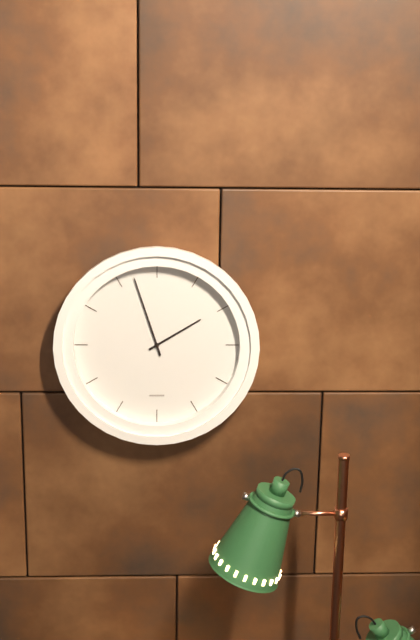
1h57
